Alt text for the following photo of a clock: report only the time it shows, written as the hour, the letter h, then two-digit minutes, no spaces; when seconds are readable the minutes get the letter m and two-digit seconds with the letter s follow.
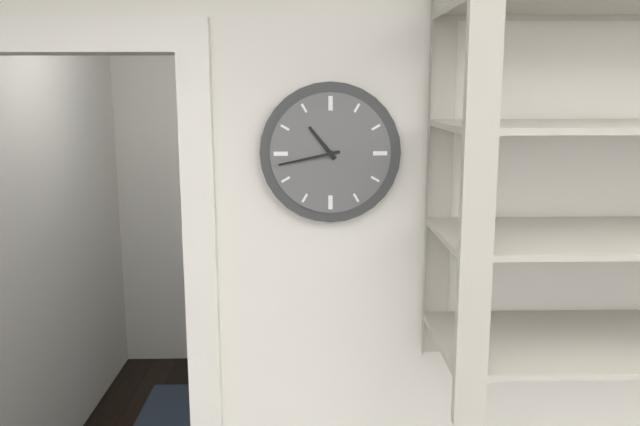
10h43
